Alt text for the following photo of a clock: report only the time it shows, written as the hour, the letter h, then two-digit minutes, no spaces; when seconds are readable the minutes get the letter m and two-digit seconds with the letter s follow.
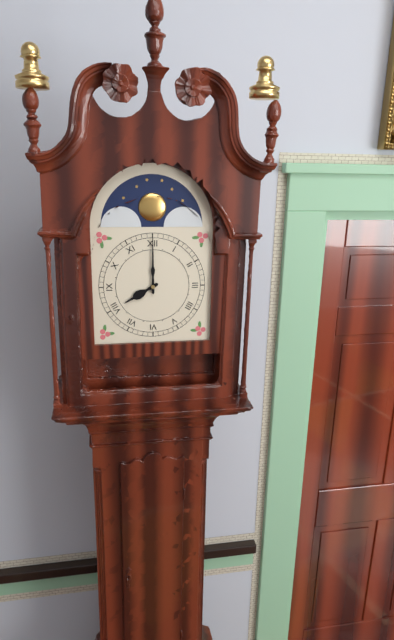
8h00
